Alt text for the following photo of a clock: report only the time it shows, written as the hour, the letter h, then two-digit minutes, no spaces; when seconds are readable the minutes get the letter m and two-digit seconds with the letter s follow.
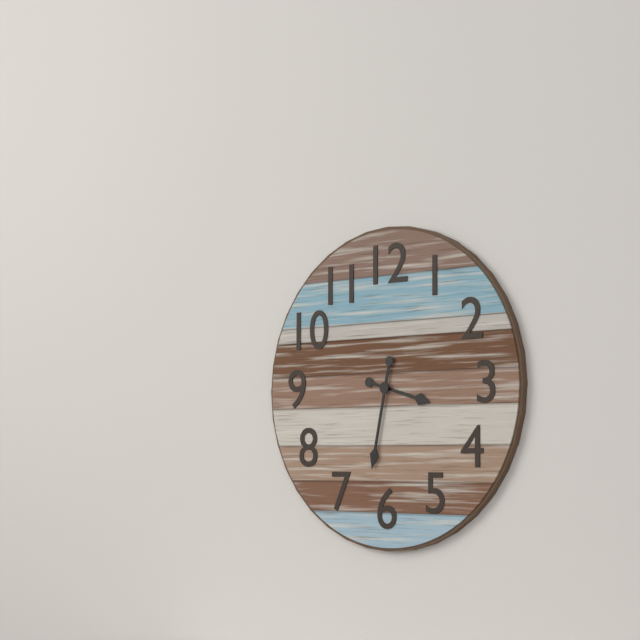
3h32
